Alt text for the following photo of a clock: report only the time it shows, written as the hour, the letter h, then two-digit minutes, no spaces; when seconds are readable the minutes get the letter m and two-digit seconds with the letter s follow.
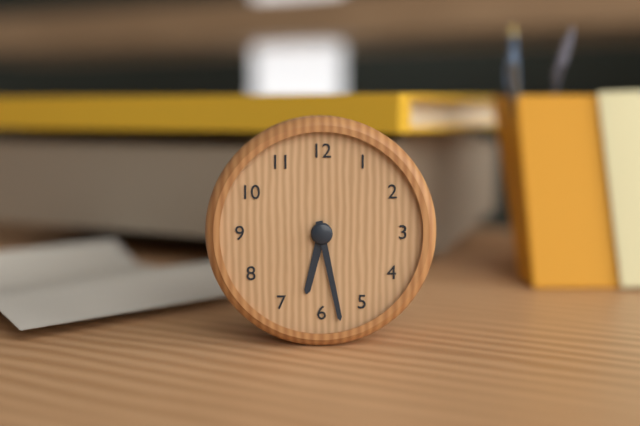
6h28
